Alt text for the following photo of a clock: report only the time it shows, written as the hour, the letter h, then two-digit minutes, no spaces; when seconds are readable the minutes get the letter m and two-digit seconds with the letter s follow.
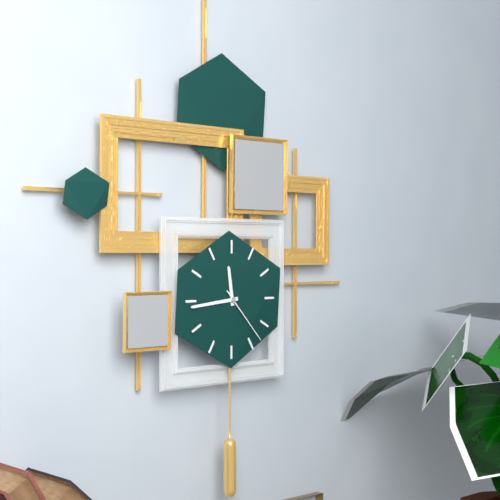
11h44m23s
